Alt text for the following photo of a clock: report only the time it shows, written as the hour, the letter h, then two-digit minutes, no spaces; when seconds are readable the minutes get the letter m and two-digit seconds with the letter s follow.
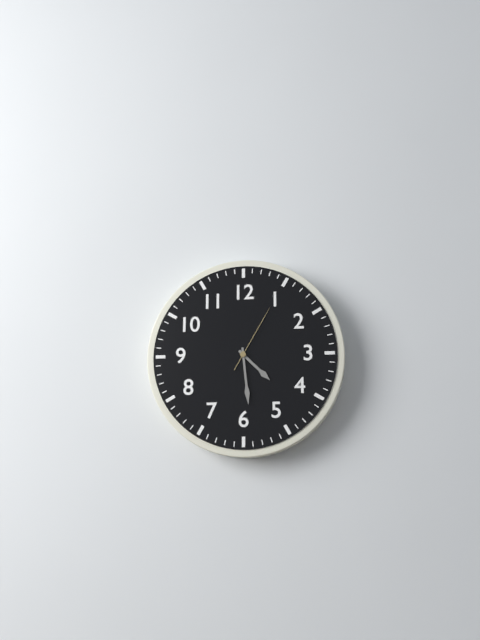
4h29m05s
